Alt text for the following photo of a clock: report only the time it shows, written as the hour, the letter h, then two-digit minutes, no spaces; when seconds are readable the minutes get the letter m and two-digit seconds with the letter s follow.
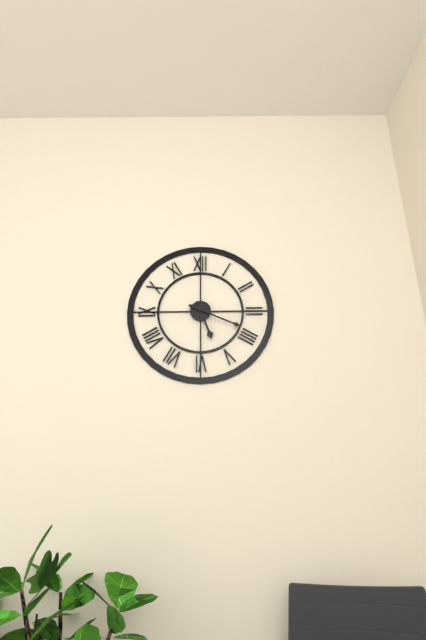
5h19
